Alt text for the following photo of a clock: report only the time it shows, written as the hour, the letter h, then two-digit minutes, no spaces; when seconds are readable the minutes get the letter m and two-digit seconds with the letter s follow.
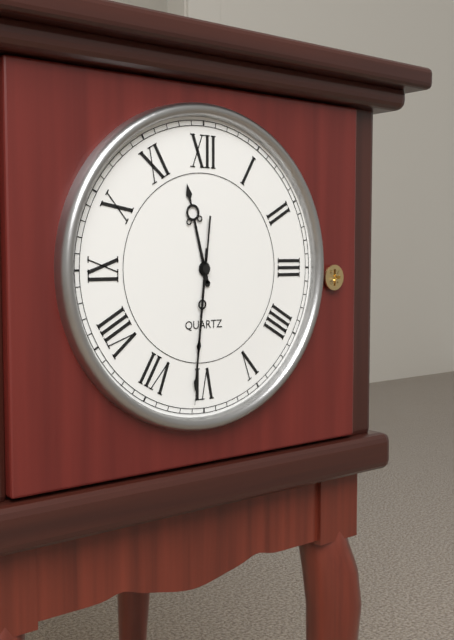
11h31m31s
